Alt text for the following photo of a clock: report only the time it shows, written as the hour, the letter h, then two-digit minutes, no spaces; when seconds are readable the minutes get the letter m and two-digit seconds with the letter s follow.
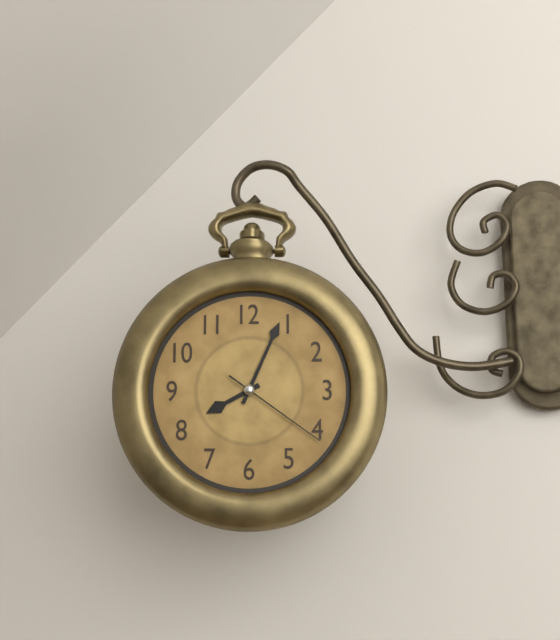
8h04m21s
